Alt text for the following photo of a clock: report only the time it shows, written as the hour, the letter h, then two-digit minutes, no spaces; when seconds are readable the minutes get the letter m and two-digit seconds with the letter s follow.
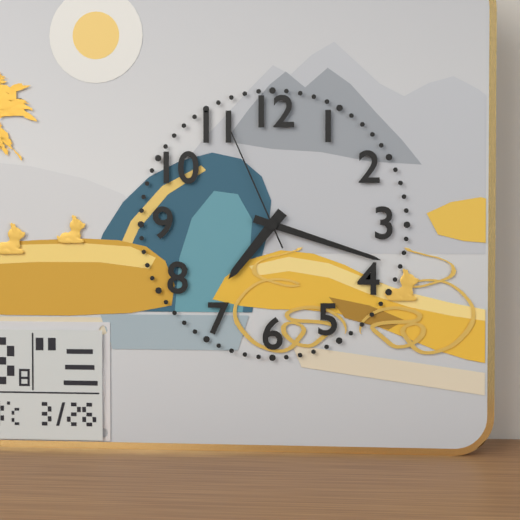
7h18m56s
